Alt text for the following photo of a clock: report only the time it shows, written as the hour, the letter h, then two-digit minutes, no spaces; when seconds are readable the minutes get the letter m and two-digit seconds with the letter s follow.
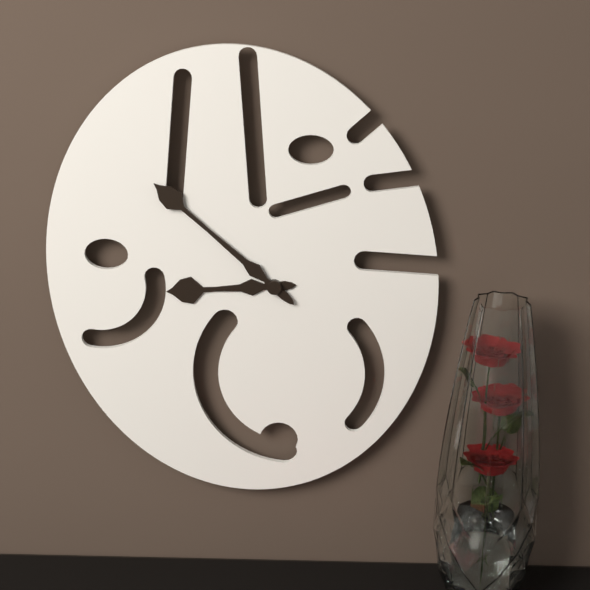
8h52
